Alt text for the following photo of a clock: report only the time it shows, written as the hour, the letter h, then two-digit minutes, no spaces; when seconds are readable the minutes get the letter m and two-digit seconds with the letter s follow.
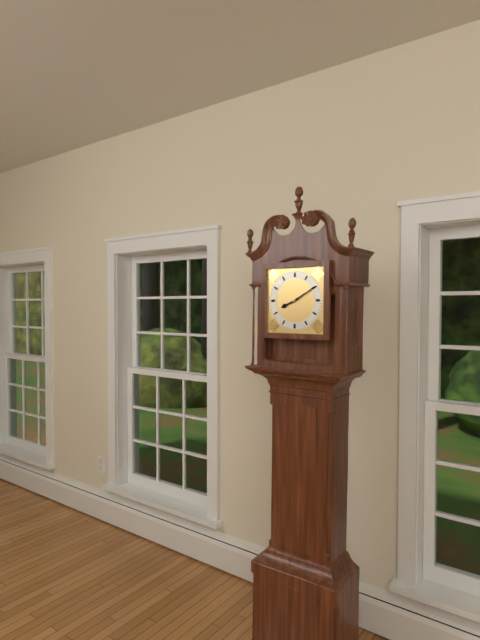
8h10
